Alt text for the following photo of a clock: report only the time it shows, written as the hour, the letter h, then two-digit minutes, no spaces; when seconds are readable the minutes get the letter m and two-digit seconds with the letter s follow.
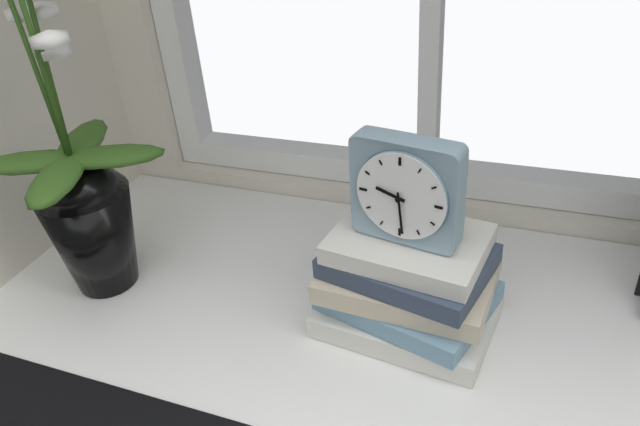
9h29
